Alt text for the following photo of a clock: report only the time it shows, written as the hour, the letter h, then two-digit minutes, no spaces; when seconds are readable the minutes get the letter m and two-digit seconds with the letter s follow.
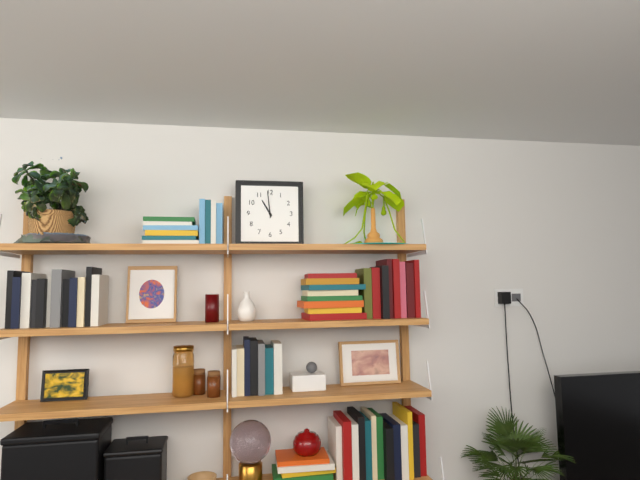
10h59
